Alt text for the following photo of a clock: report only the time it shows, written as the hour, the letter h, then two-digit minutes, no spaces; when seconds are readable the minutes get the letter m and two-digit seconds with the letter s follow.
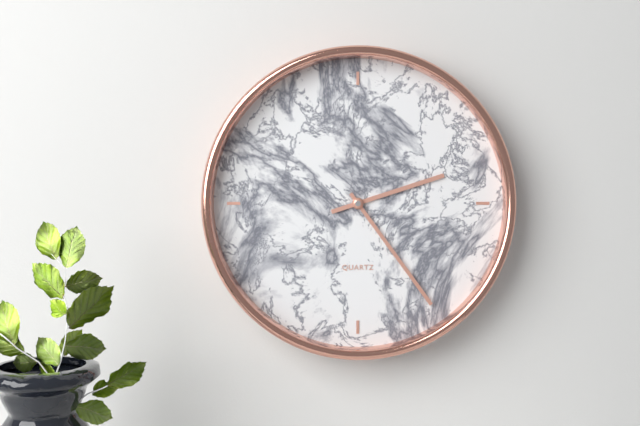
2h24
